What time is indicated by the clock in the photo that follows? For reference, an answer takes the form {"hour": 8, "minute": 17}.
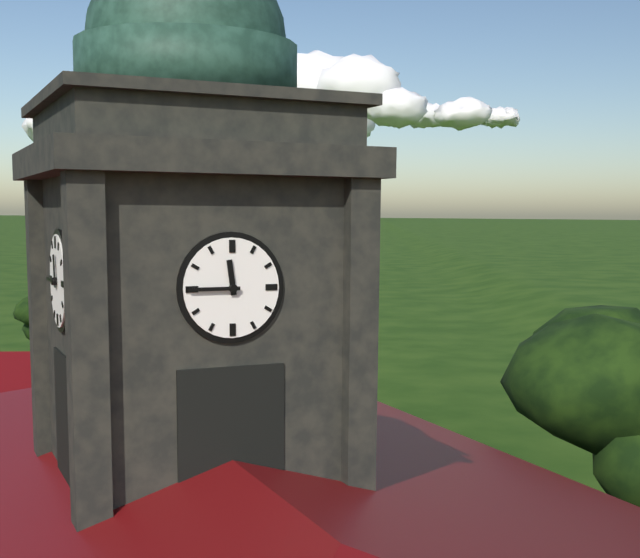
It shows {"hour": 11, "minute": 45}
